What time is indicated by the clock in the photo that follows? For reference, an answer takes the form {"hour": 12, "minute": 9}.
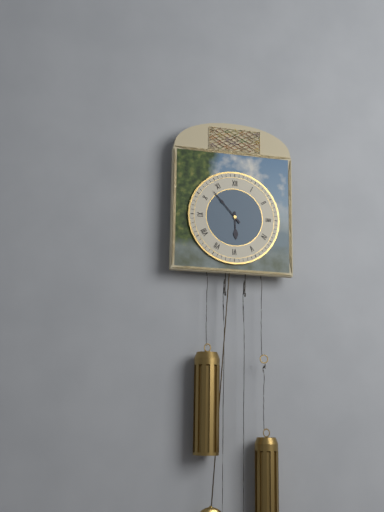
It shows {"hour": 5, "minute": 53}
